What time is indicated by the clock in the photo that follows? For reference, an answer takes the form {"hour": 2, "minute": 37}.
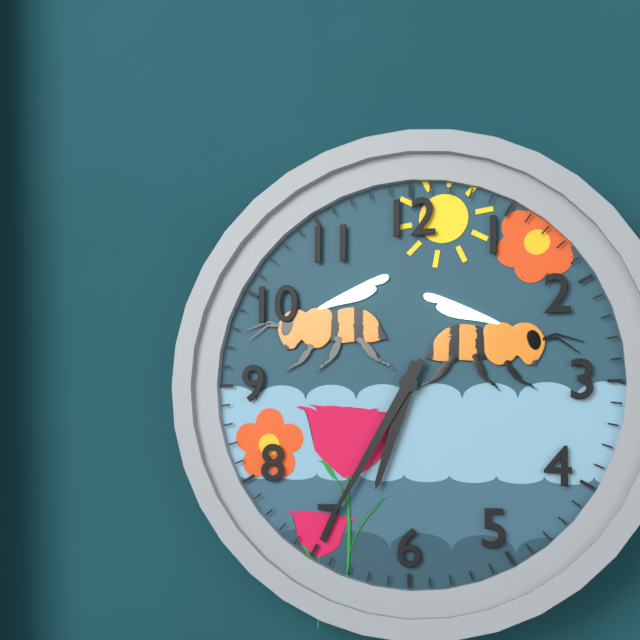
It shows {"hour": 6, "minute": 35}
